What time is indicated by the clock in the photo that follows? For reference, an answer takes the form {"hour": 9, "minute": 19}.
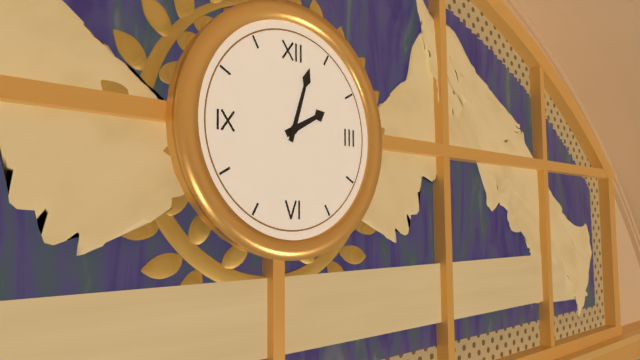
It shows {"hour": 2, "minute": 3}
